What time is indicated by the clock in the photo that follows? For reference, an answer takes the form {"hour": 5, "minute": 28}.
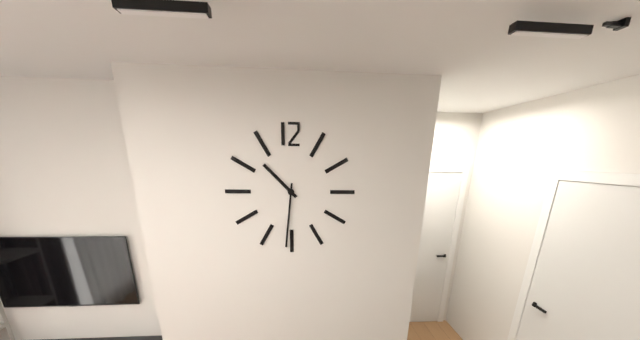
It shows {"hour": 10, "minute": 31}
